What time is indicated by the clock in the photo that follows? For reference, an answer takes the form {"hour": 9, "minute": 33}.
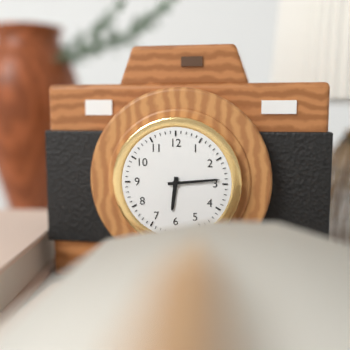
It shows {"hour": 6, "minute": 14}
